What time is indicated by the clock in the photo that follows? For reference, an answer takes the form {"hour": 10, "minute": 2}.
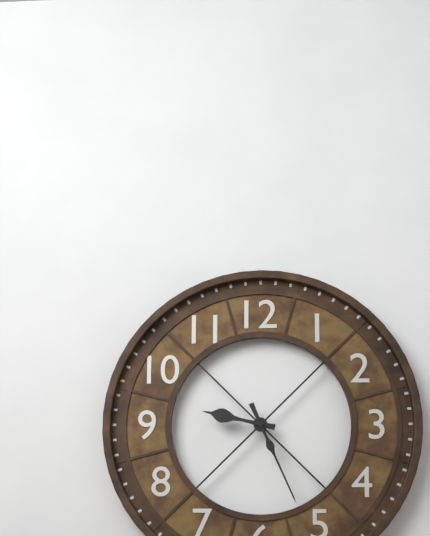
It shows {"hour": 9, "minute": 26}
